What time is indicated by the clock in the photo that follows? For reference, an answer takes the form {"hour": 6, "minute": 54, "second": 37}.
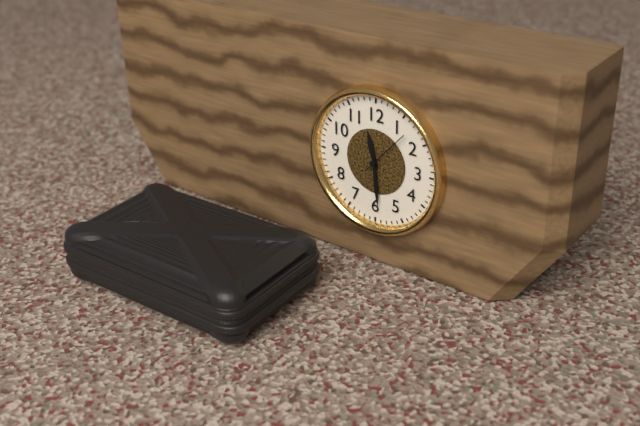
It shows {"hour": 11, "minute": 29, "second": 7}
